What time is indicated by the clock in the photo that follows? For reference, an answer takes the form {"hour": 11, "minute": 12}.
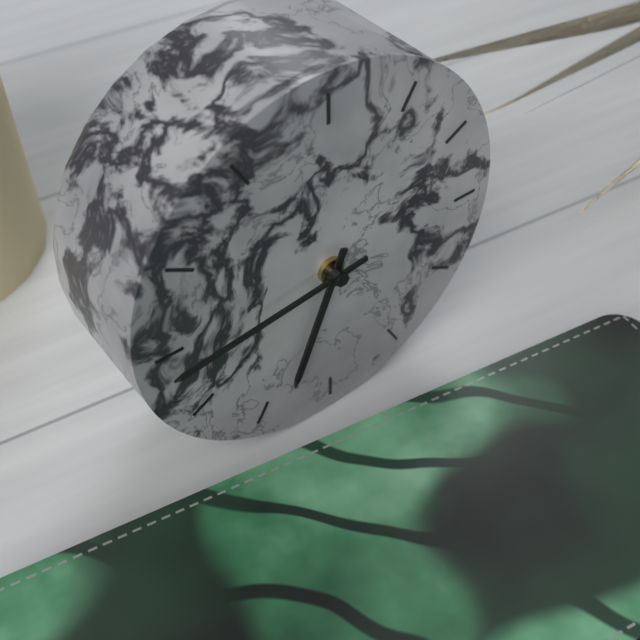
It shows {"hour": 6, "minute": 44}
